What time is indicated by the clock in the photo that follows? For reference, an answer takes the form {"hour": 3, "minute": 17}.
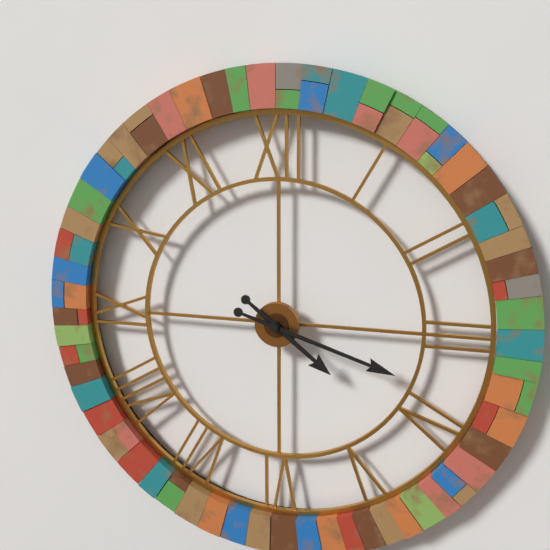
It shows {"hour": 4, "minute": 18}
